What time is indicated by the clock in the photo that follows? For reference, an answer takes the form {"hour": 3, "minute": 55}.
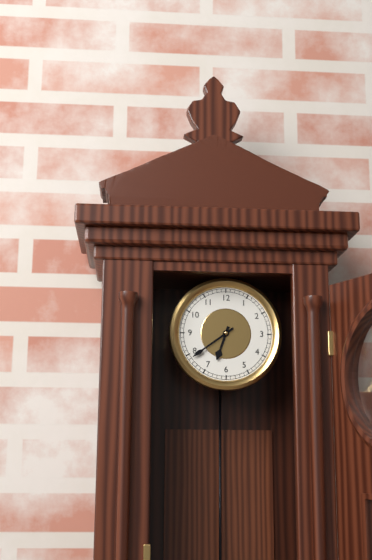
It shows {"hour": 6, "minute": 39}
